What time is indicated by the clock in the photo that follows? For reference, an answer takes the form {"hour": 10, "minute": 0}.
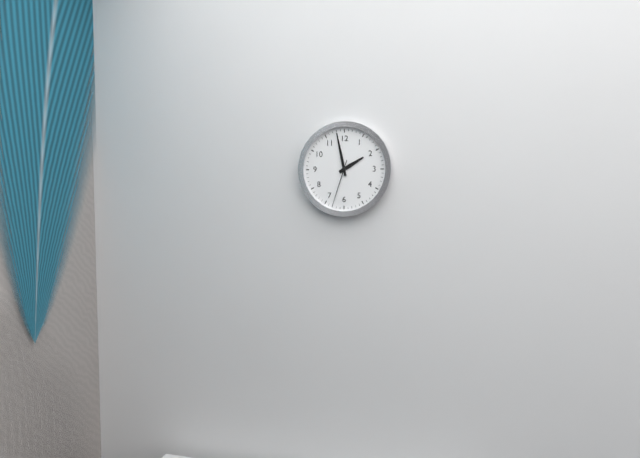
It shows {"hour": 1, "minute": 58}
